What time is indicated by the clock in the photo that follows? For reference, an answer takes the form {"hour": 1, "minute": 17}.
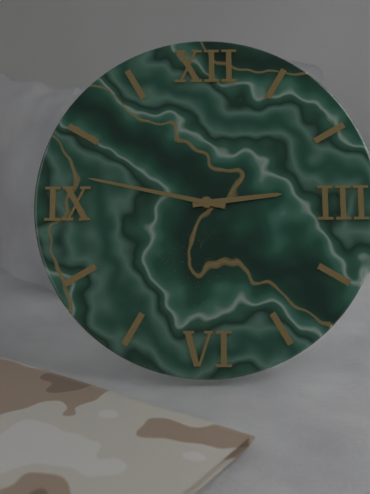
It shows {"hour": 2, "minute": 47}
